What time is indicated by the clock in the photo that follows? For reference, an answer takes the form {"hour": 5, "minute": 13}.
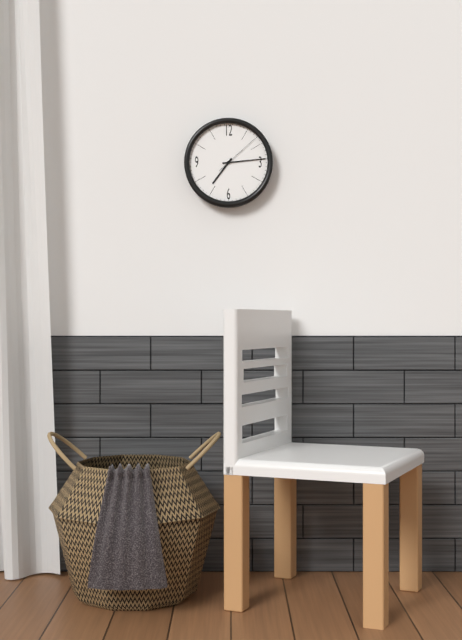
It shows {"hour": 7, "minute": 14}
